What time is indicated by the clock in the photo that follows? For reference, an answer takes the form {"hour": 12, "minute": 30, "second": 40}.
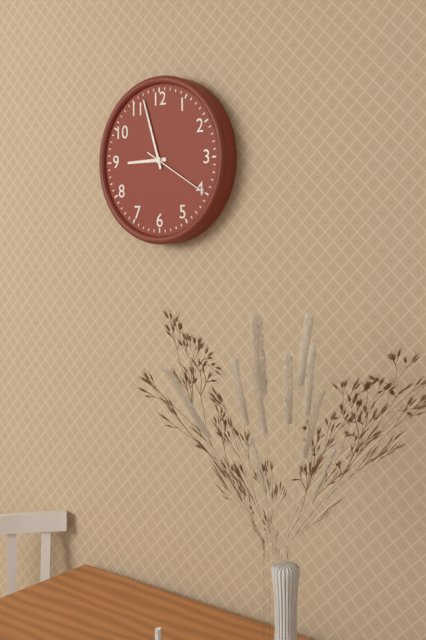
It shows {"hour": 8, "minute": 57, "second": 20}
